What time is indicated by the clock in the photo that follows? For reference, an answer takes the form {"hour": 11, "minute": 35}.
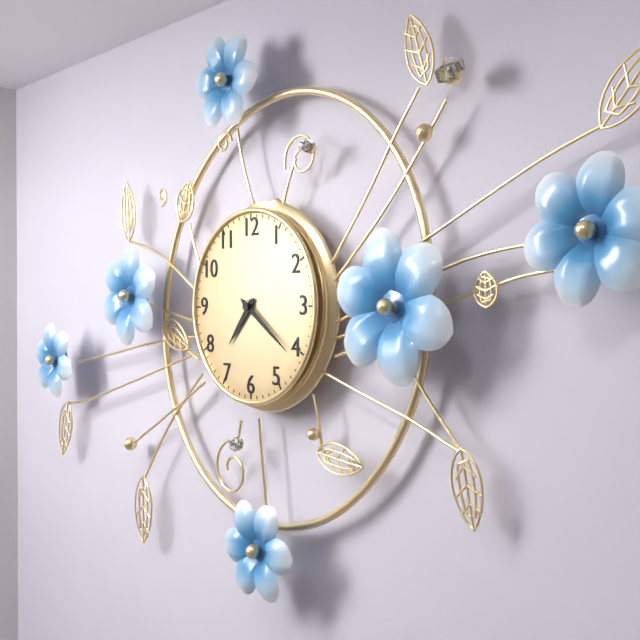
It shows {"hour": 7, "minute": 21}
